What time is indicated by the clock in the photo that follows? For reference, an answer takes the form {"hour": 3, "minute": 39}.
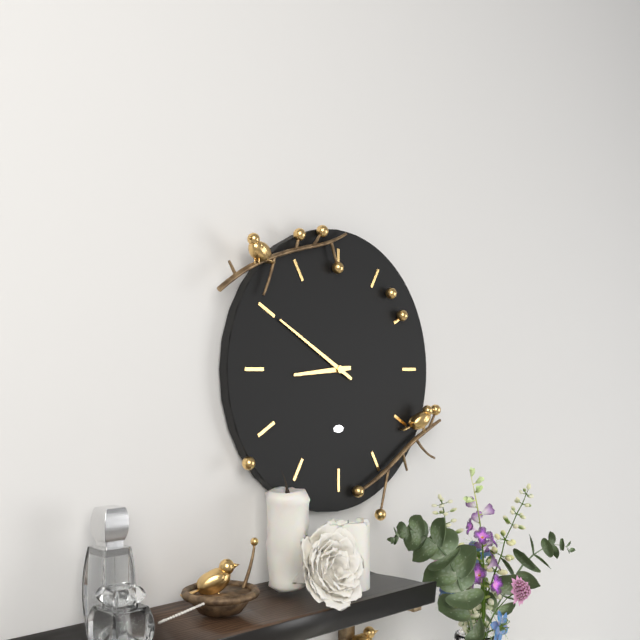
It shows {"hour": 8, "minute": 50}
